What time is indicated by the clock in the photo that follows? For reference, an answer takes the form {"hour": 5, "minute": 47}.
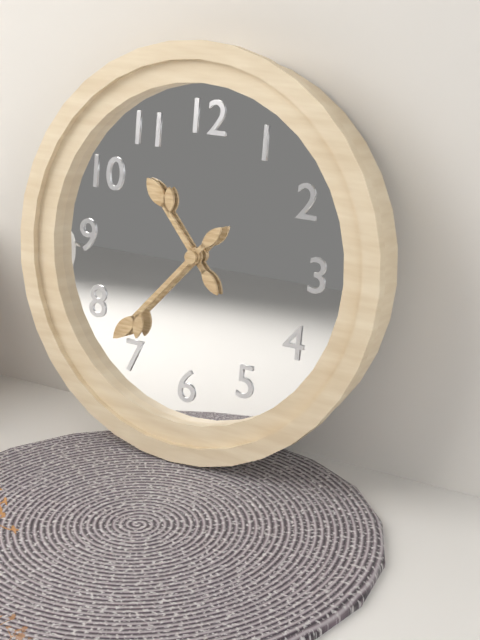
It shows {"hour": 10, "minute": 37}
